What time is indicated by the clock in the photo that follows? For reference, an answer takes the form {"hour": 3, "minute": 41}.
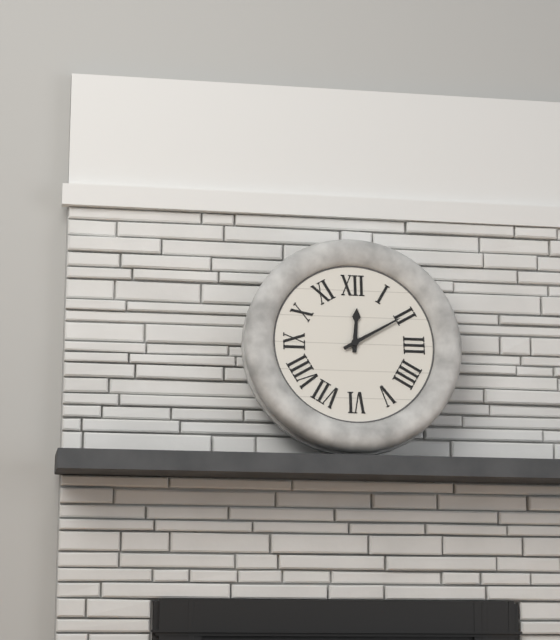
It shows {"hour": 12, "minute": 10}
